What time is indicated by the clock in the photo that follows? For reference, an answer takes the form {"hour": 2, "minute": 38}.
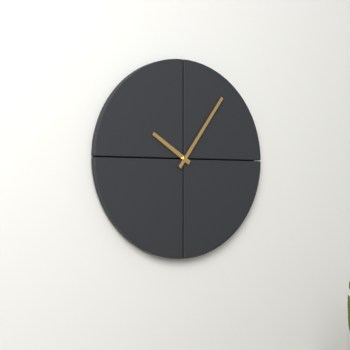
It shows {"hour": 10, "minute": 6}
